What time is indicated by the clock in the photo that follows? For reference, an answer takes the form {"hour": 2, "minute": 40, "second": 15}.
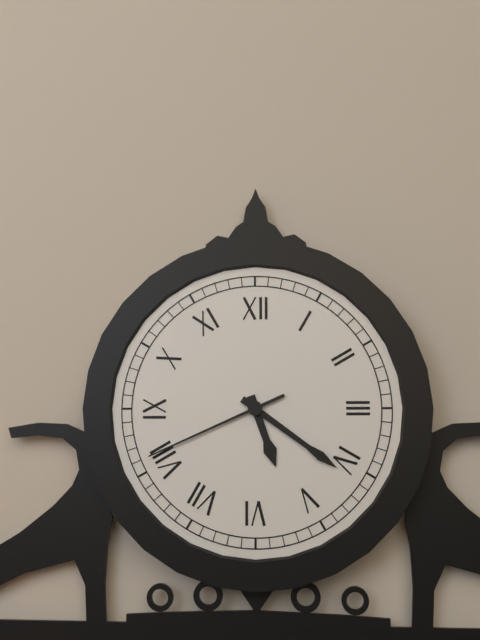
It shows {"hour": 5, "minute": 21, "second": 41}
